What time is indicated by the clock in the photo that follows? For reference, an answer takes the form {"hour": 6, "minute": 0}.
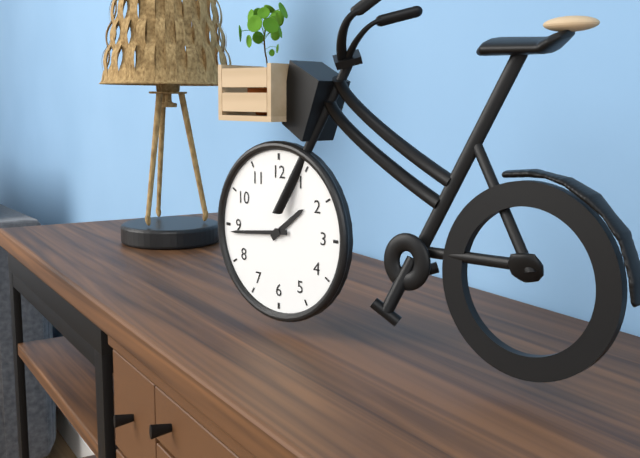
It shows {"hour": 1, "minute": 44}
